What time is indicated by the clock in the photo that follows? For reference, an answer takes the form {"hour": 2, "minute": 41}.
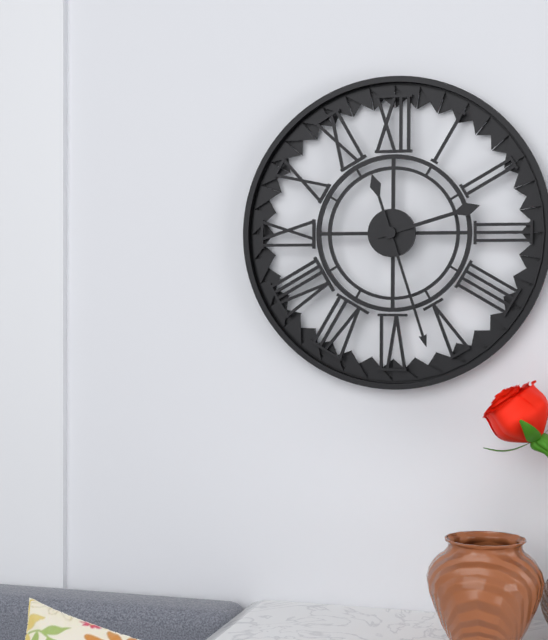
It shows {"hour": 2, "minute": 27}
